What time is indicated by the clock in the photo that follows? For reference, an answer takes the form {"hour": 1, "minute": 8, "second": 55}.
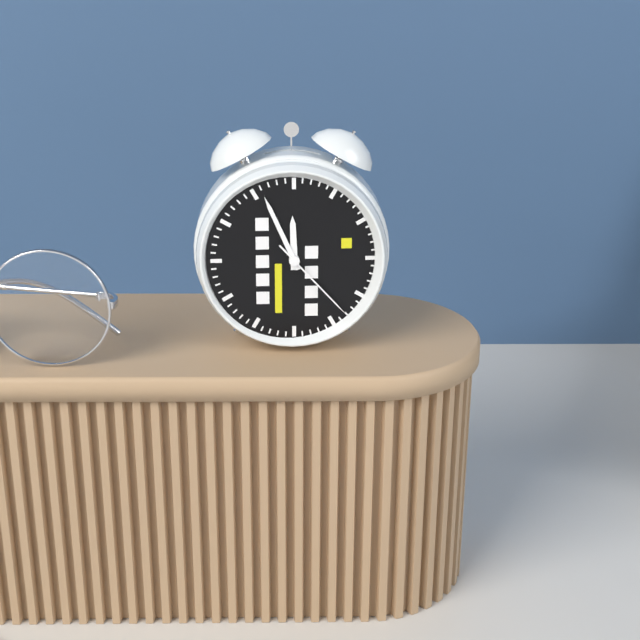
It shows {"hour": 11, "minute": 56, "second": 23}
